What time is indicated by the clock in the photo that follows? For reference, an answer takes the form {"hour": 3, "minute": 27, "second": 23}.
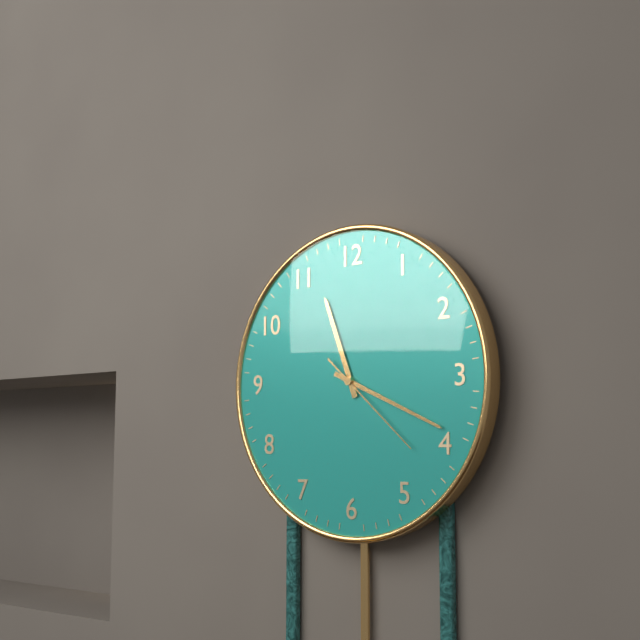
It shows {"hour": 11, "minute": 19, "second": 22}
